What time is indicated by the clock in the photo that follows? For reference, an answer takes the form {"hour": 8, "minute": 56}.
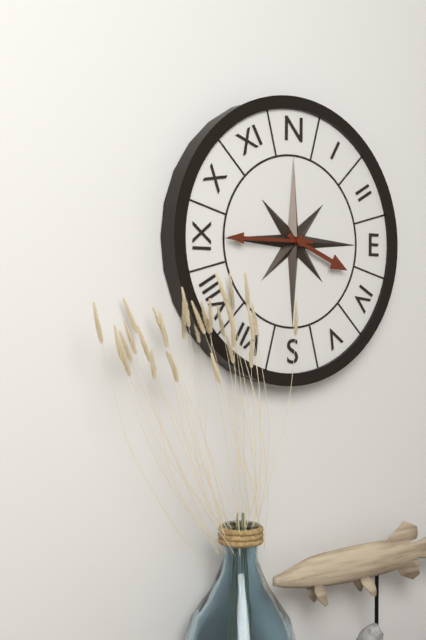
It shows {"hour": 3, "minute": 45}
